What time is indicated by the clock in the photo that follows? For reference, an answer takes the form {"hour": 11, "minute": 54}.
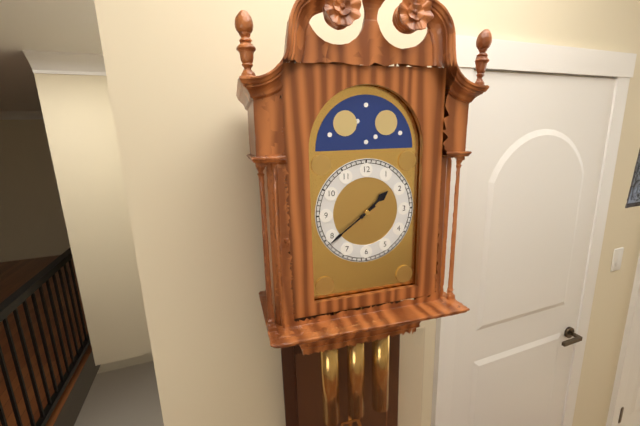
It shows {"hour": 1, "minute": 39}
